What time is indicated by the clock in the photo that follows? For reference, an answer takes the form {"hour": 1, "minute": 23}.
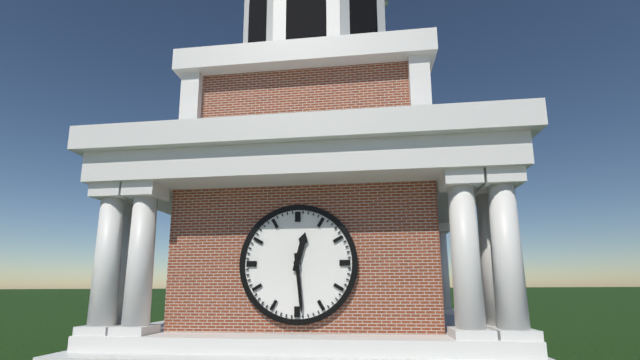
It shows {"hour": 12, "minute": 29}
